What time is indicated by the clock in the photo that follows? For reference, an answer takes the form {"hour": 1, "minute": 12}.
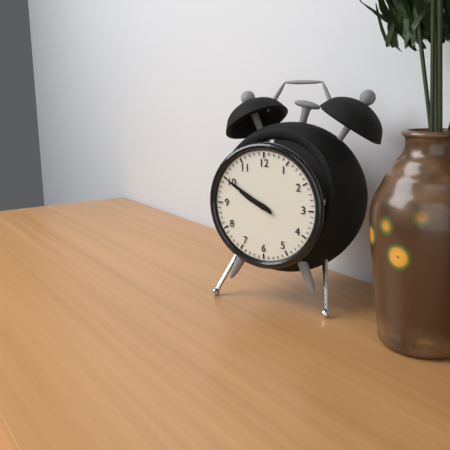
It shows {"hour": 9, "minute": 50}
